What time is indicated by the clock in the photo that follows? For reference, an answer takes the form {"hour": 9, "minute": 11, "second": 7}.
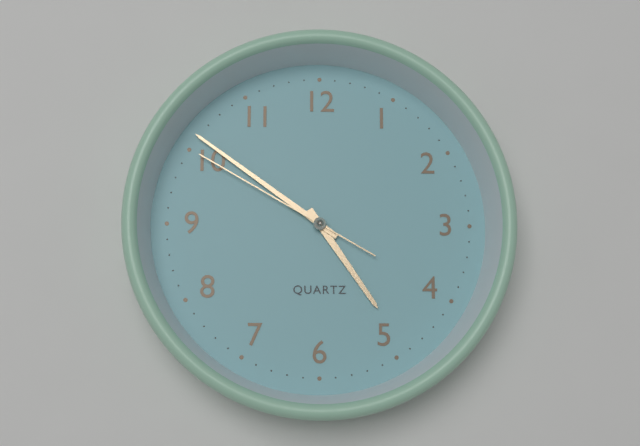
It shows {"hour": 4, "minute": 51, "second": 50}
